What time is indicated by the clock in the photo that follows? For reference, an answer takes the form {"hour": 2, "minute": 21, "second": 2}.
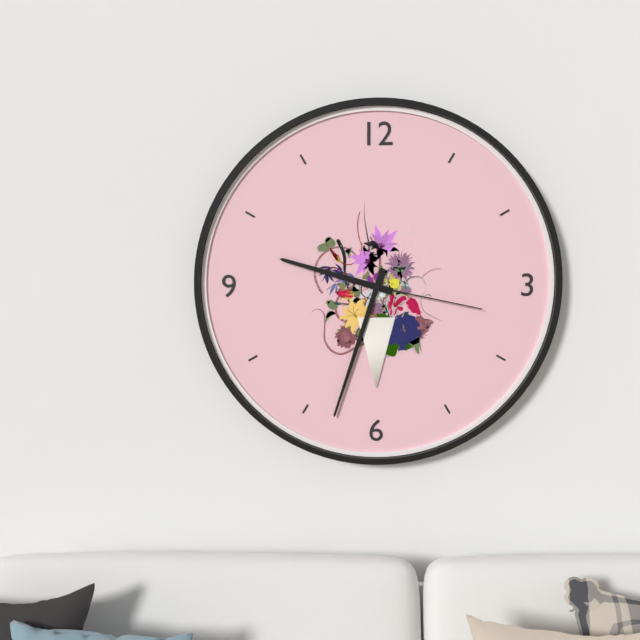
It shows {"hour": 9, "minute": 33, "second": 17}
